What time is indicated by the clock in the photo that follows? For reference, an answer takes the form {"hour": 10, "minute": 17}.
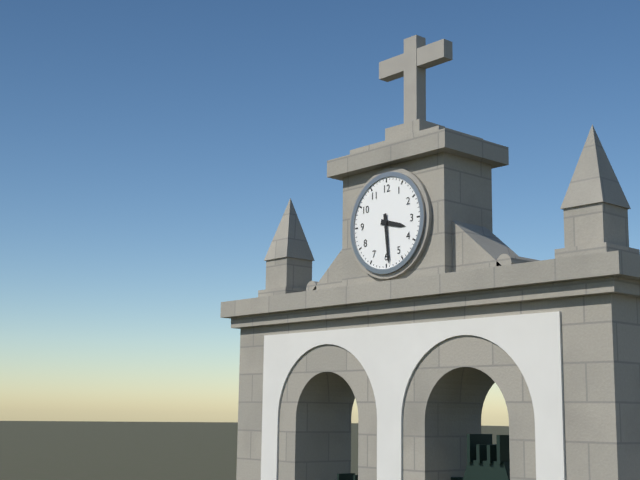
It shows {"hour": 3, "minute": 29}
